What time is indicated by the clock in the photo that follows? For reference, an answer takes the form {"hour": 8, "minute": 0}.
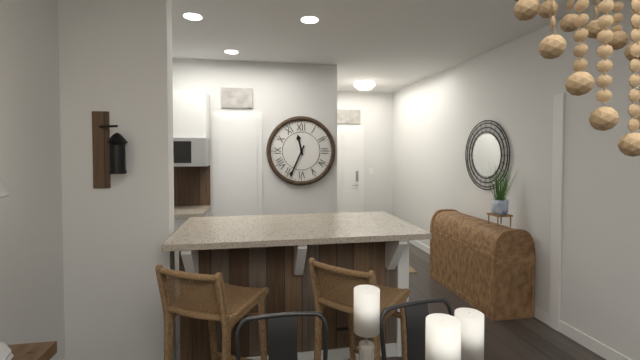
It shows {"hour": 11, "minute": 34}
